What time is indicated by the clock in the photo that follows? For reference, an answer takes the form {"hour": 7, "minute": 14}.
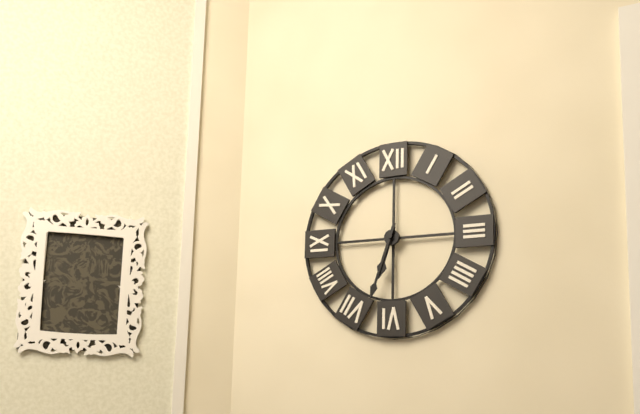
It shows {"hour": 6, "minute": 33}
